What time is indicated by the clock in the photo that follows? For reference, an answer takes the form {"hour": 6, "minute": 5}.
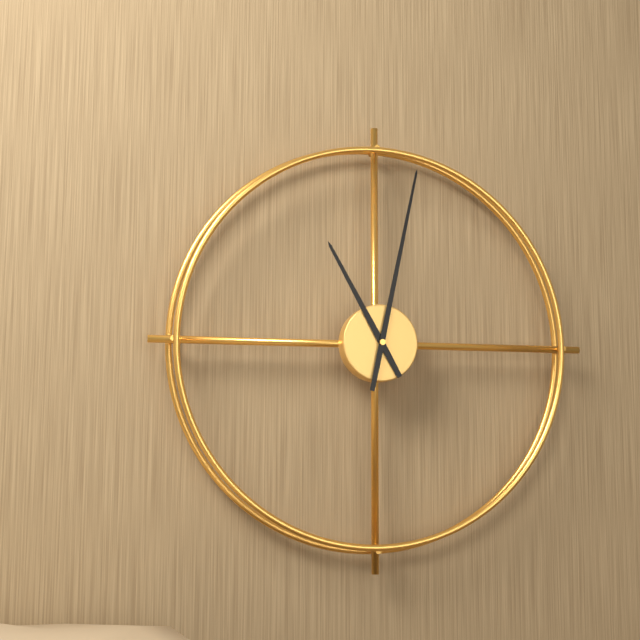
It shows {"hour": 11, "minute": 2}
